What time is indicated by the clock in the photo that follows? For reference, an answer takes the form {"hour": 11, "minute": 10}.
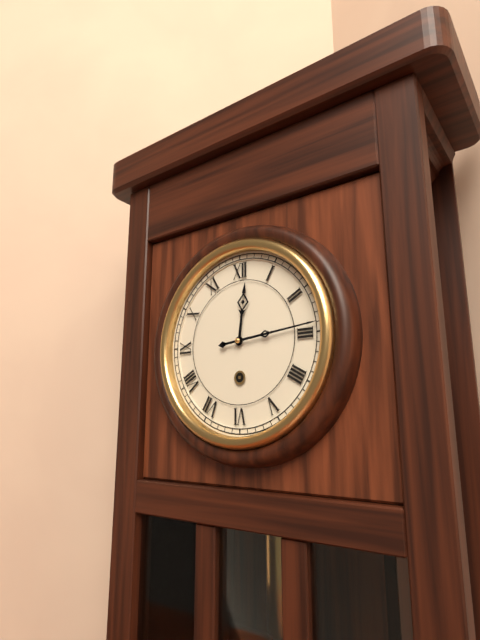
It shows {"hour": 12, "minute": 14}
